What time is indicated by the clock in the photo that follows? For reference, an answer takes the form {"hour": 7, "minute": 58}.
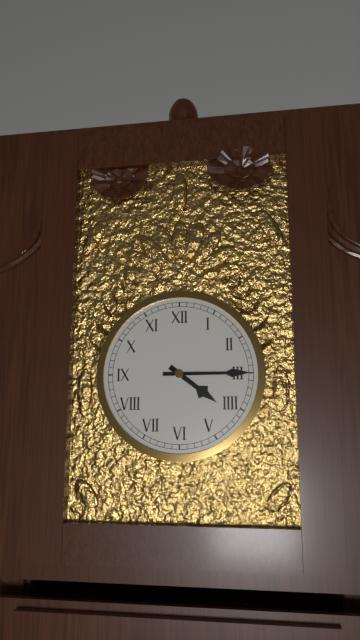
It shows {"hour": 4, "minute": 15}
